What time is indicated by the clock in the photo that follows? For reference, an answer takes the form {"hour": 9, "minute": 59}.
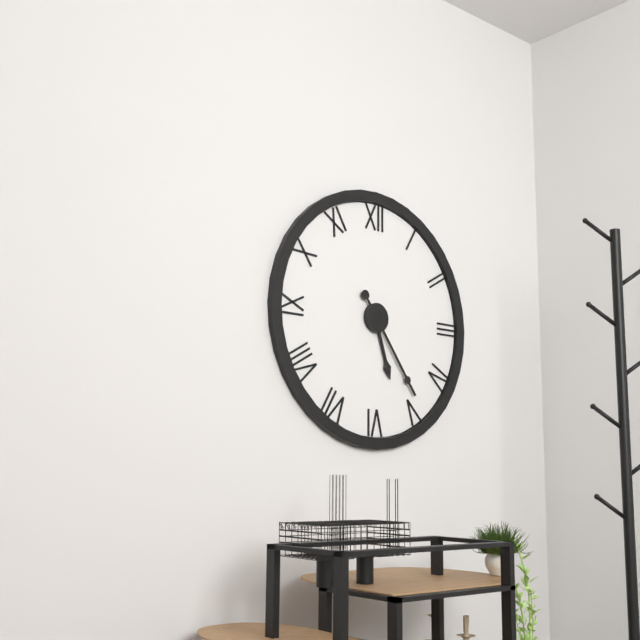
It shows {"hour": 5, "minute": 24}
